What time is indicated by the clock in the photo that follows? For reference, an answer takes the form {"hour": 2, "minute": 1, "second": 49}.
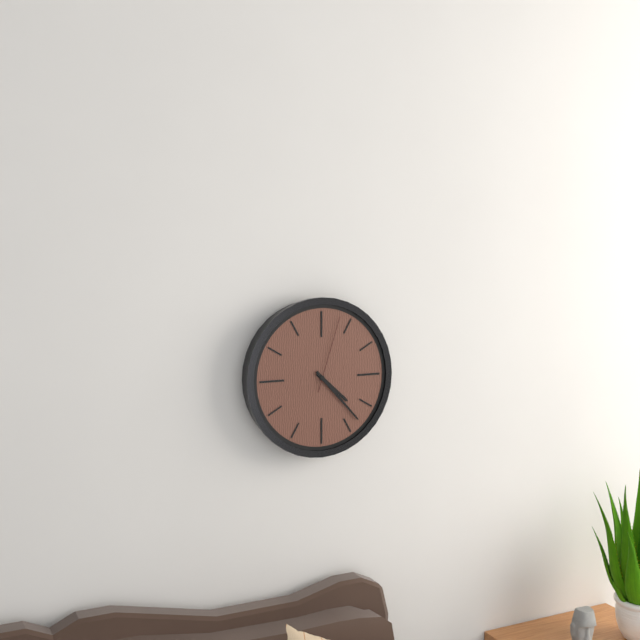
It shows {"hour": 4, "minute": 23, "second": 3}
